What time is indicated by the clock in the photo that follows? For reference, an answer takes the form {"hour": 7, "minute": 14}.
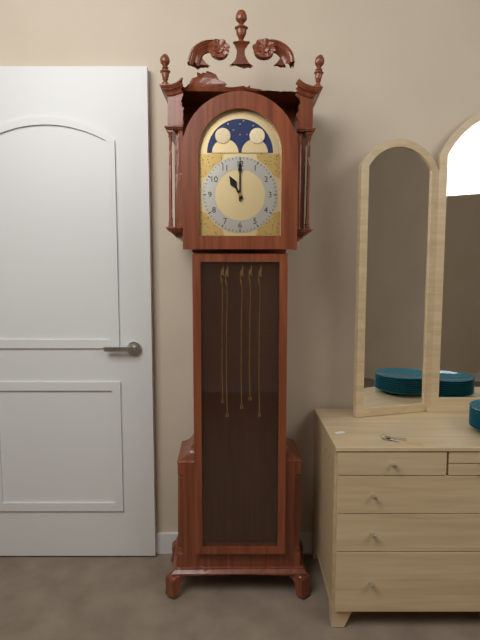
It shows {"hour": 11, "minute": 0}
